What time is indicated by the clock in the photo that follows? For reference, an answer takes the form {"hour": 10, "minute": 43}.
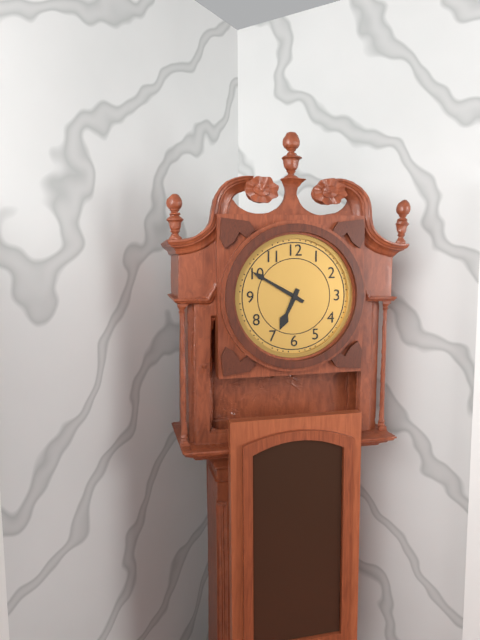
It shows {"hour": 6, "minute": 50}
